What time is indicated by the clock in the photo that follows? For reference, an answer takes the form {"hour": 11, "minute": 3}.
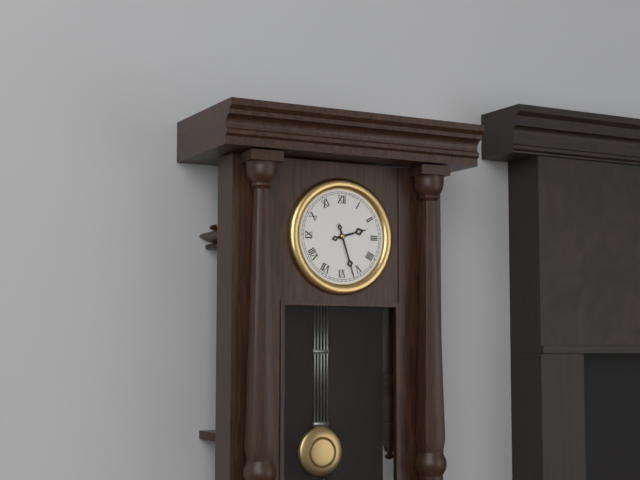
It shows {"hour": 2, "minute": 27}
